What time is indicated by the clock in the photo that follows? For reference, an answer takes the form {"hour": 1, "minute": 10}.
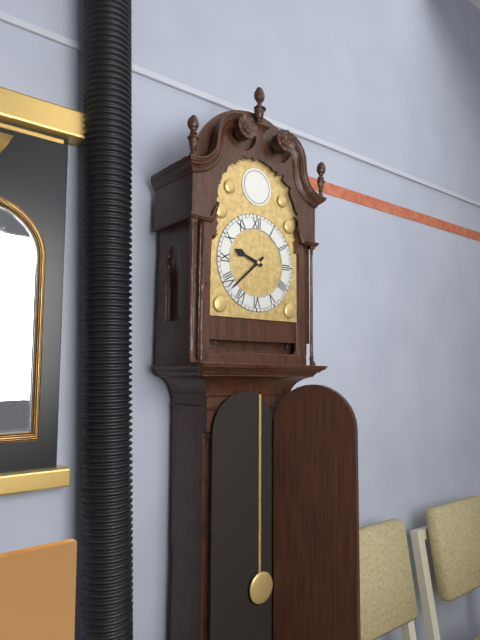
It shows {"hour": 9, "minute": 38}
